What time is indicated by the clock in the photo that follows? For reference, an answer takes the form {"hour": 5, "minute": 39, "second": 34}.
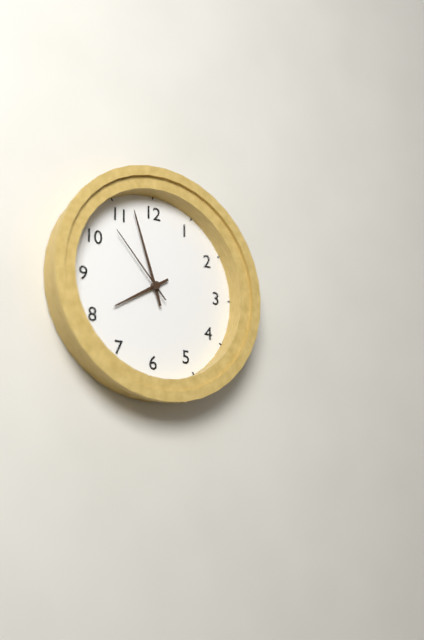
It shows {"hour": 7, "minute": 57, "second": 53}
